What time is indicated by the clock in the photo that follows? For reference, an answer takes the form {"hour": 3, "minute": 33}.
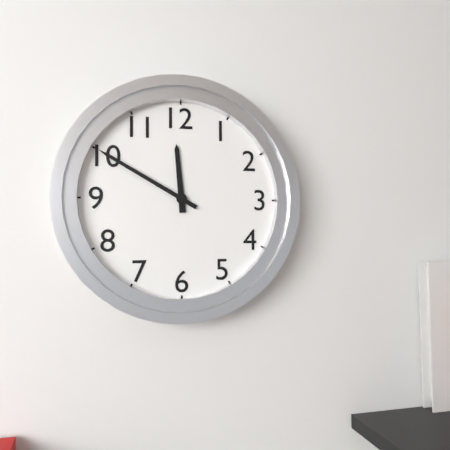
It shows {"hour": 11, "minute": 50}
